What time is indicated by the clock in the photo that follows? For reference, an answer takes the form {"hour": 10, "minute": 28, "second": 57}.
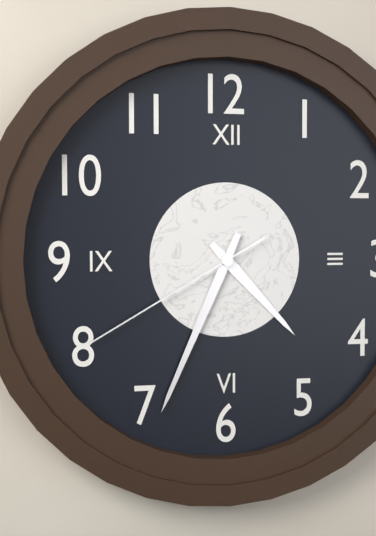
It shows {"hour": 4, "minute": 34, "second": 40}
